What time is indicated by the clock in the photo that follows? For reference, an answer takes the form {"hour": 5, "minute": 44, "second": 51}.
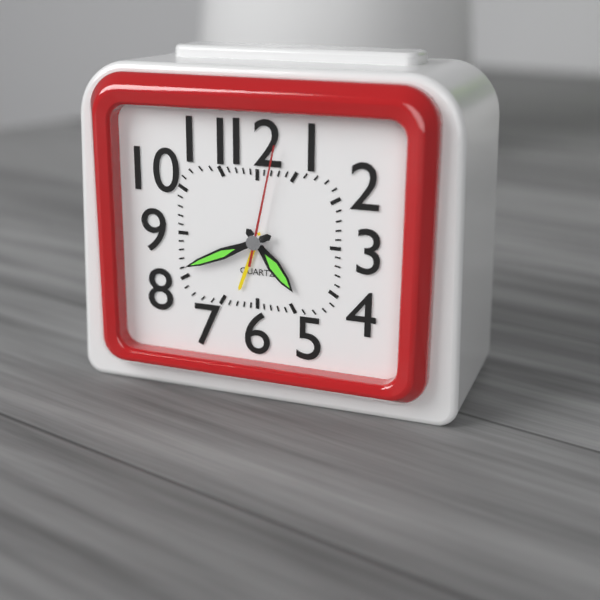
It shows {"hour": 4, "minute": 41, "second": 2}
